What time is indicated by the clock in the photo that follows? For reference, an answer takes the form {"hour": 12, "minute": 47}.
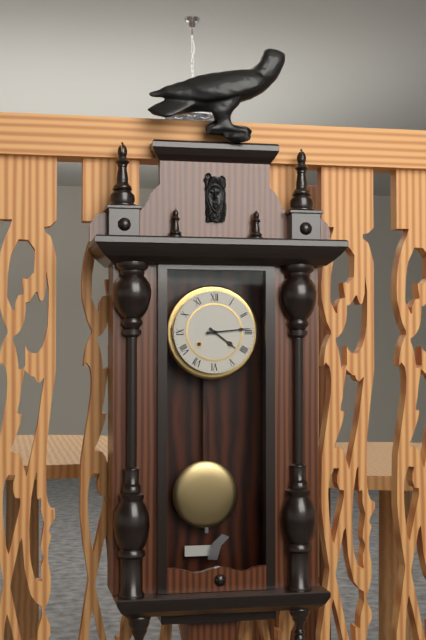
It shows {"hour": 4, "minute": 14}
